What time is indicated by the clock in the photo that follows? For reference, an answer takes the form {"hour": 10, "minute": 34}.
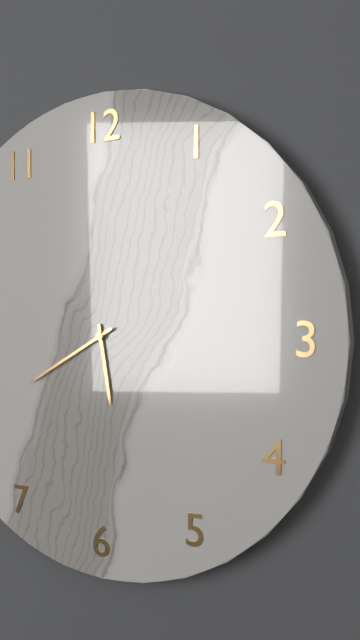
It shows {"hour": 5, "minute": 40}
